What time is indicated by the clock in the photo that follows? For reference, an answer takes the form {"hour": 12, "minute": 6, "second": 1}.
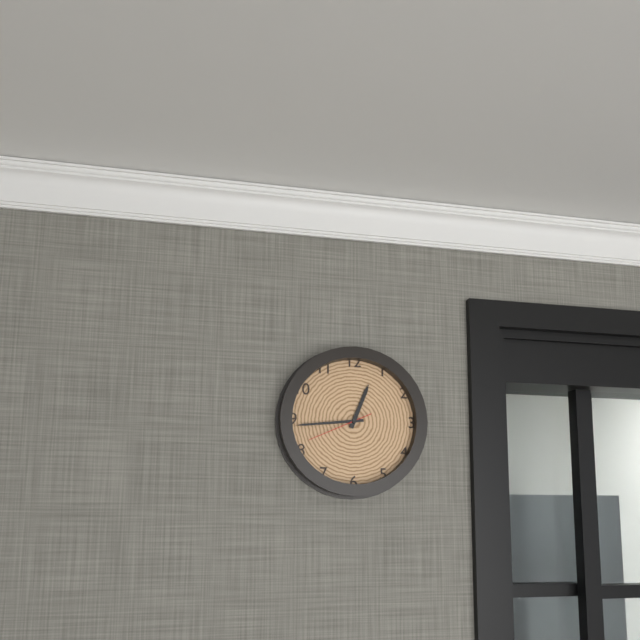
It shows {"hour": 12, "minute": 44, "second": 41}
